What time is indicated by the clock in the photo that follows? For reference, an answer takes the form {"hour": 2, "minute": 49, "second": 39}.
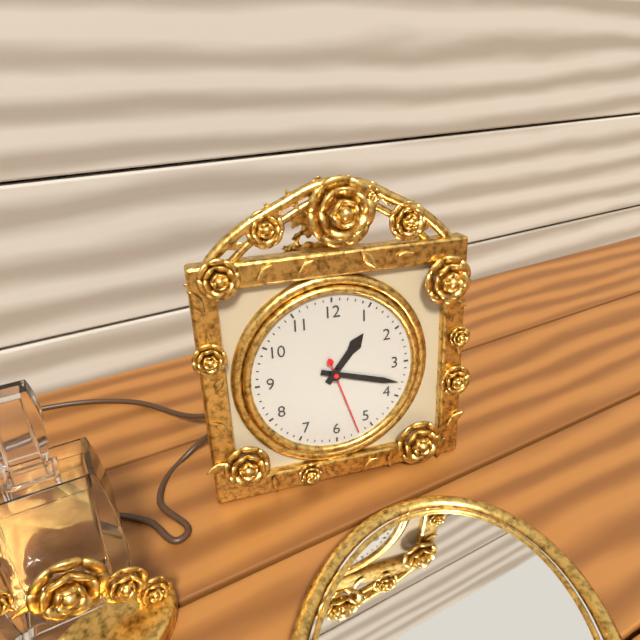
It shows {"hour": 1, "minute": 18, "second": 27}
